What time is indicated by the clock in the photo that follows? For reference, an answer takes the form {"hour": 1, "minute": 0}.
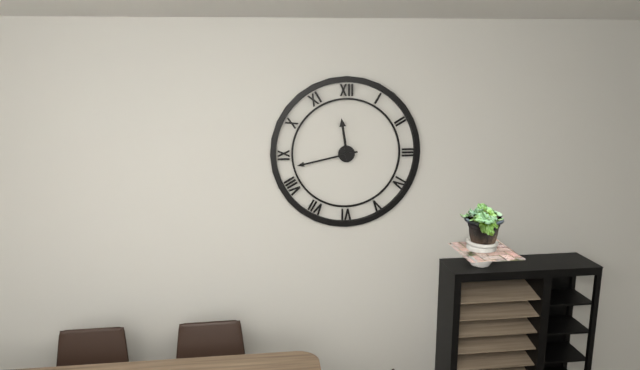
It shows {"hour": 11, "minute": 43}
